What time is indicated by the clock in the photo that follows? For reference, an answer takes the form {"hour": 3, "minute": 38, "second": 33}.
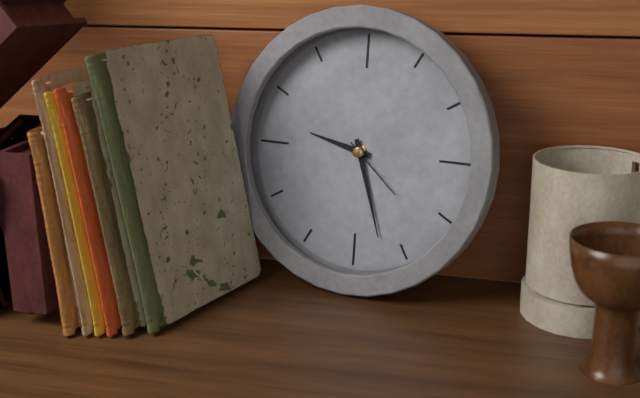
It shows {"hour": 9, "minute": 27, "second": 22}
